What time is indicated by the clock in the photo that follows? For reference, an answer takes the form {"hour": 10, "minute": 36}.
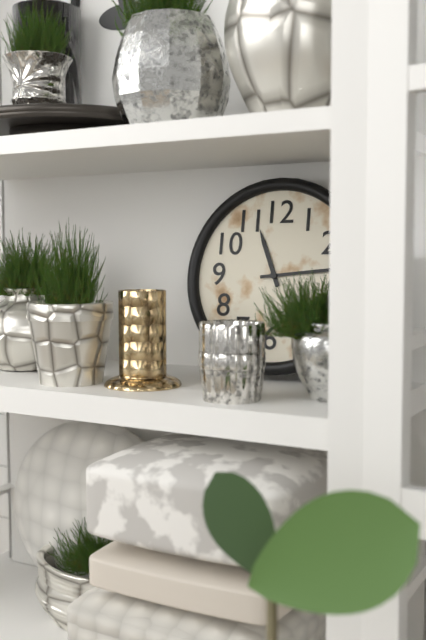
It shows {"hour": 11, "minute": 14}
